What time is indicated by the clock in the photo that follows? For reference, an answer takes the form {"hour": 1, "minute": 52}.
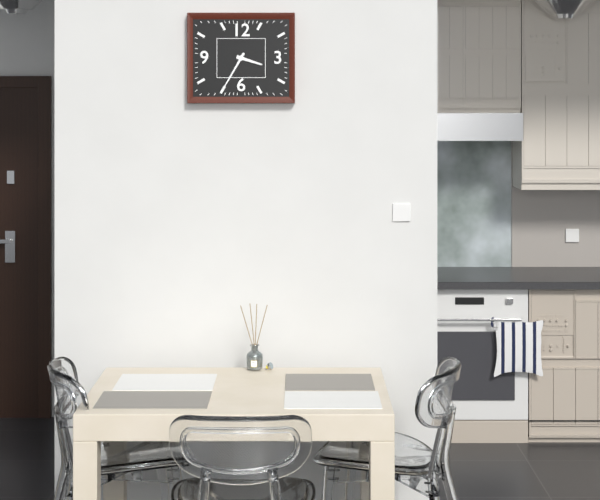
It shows {"hour": 3, "minute": 35}
